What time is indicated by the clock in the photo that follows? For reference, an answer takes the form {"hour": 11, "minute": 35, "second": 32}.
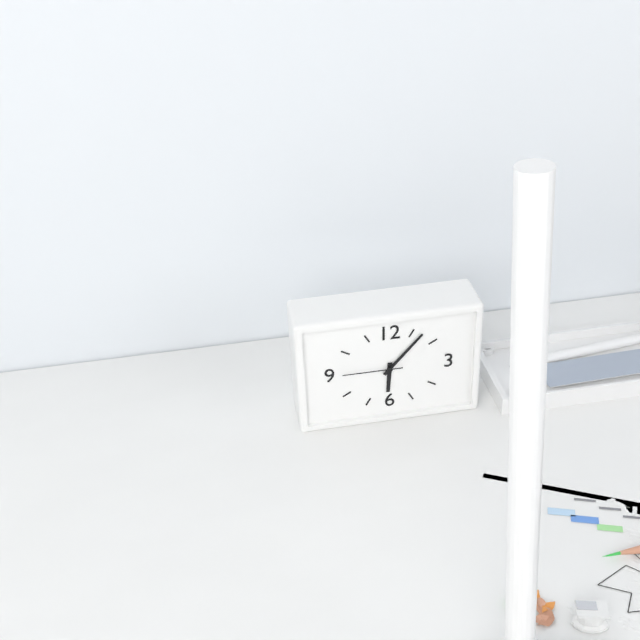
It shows {"hour": 6, "minute": 7, "second": 45}
